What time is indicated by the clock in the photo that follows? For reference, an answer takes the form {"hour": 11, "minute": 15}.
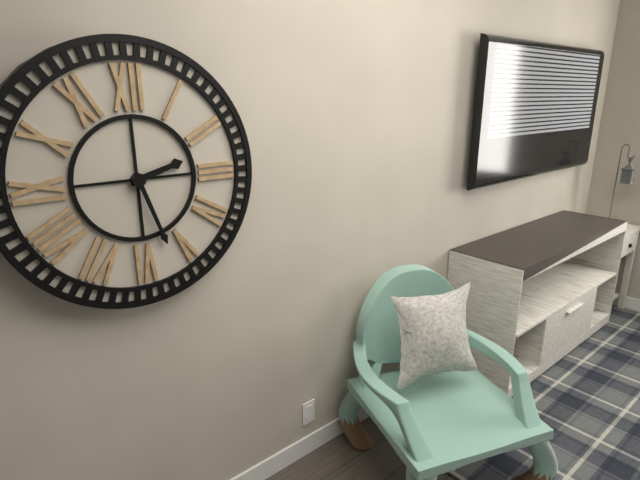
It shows {"hour": 2, "minute": 27}
